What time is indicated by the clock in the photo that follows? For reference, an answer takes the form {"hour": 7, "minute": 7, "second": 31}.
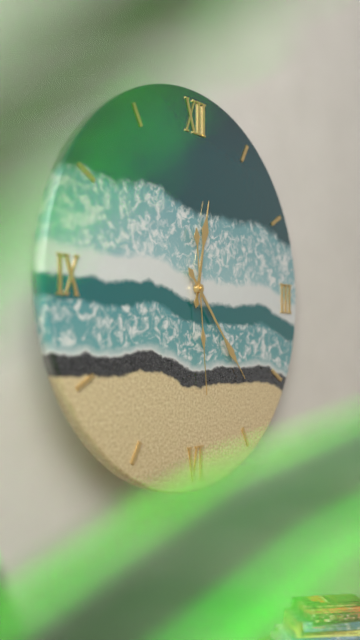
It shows {"hour": 12, "minute": 23, "second": 29}
